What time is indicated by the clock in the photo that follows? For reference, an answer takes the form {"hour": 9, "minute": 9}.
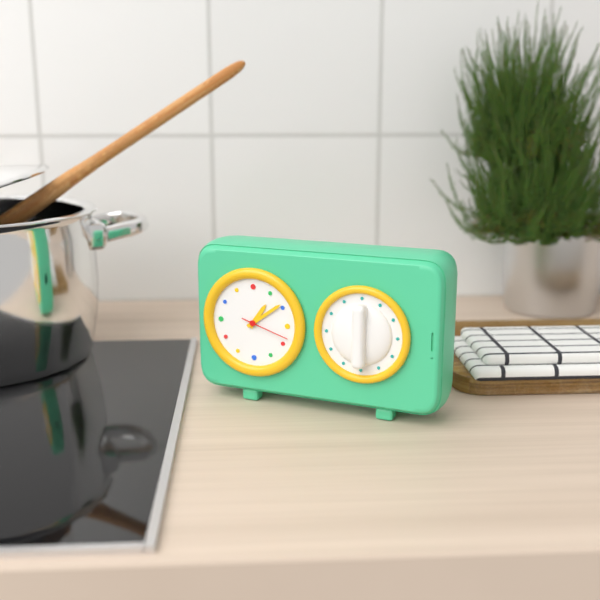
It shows {"hour": 1, "minute": 9}
